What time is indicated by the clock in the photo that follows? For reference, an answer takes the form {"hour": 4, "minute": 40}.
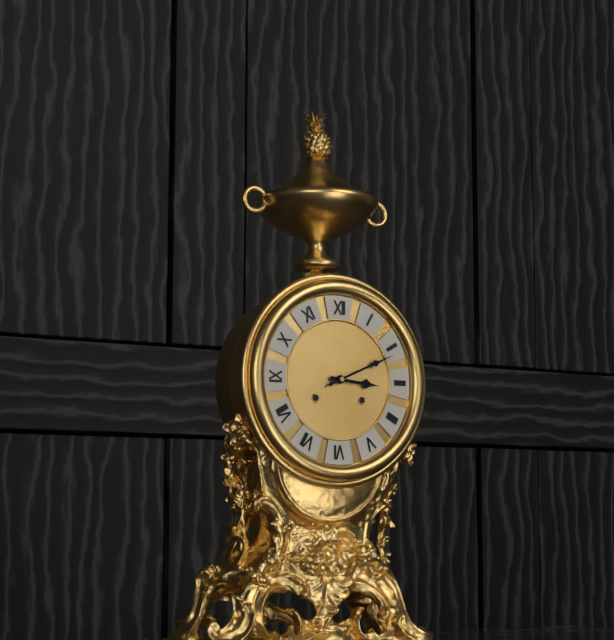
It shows {"hour": 3, "minute": 11}
